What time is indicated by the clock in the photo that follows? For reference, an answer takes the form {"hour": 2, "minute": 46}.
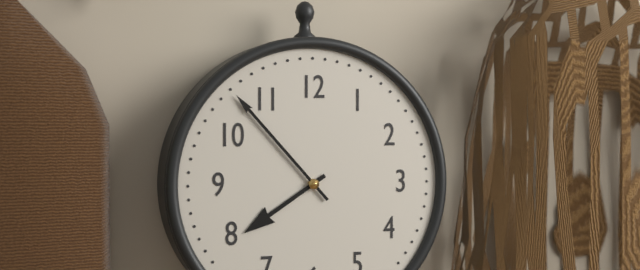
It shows {"hour": 7, "minute": 53}
